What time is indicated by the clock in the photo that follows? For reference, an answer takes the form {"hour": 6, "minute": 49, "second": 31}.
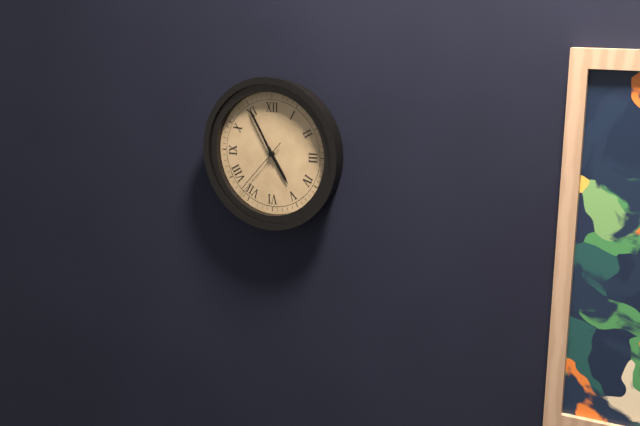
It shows {"hour": 4, "minute": 55, "second": 37}
